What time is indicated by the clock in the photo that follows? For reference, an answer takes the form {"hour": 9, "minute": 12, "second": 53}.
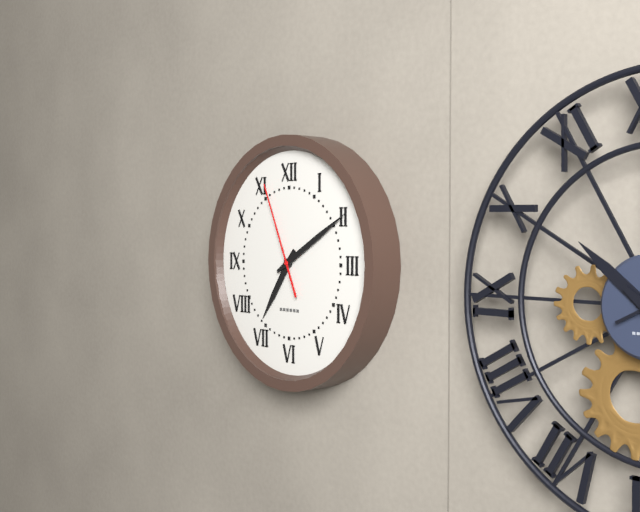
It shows {"hour": 7, "minute": 10, "second": 56}
